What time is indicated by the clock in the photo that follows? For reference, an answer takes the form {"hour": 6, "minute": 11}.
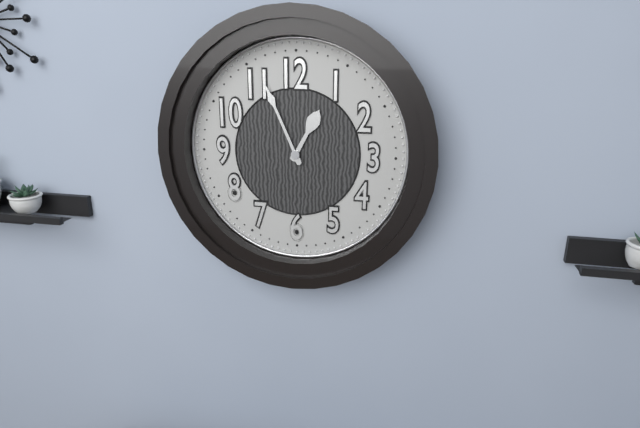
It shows {"hour": 12, "minute": 56}
